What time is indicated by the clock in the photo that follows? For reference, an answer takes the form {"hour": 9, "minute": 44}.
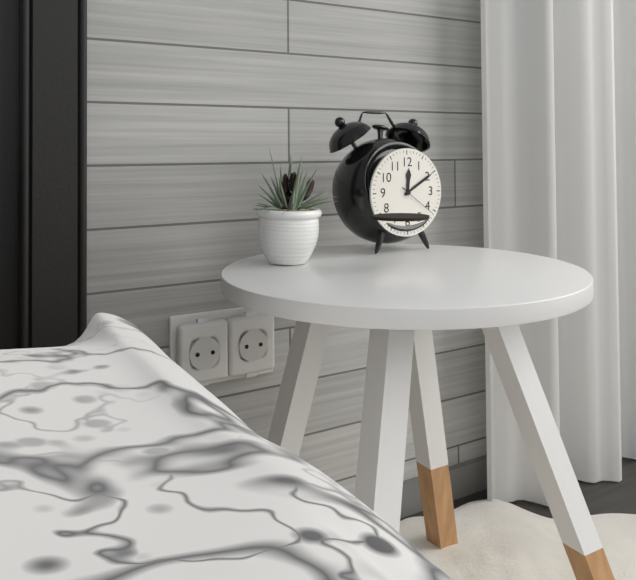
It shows {"hour": 12, "minute": 10}
